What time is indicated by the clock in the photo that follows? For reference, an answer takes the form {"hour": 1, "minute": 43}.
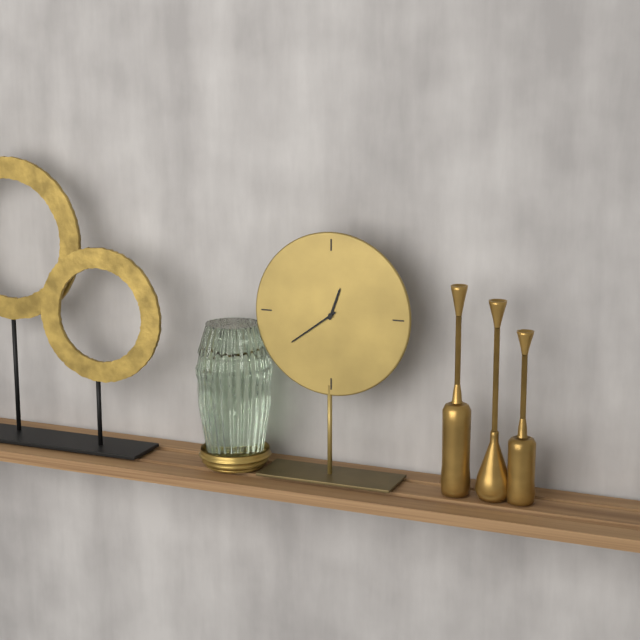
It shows {"hour": 12, "minute": 39}
